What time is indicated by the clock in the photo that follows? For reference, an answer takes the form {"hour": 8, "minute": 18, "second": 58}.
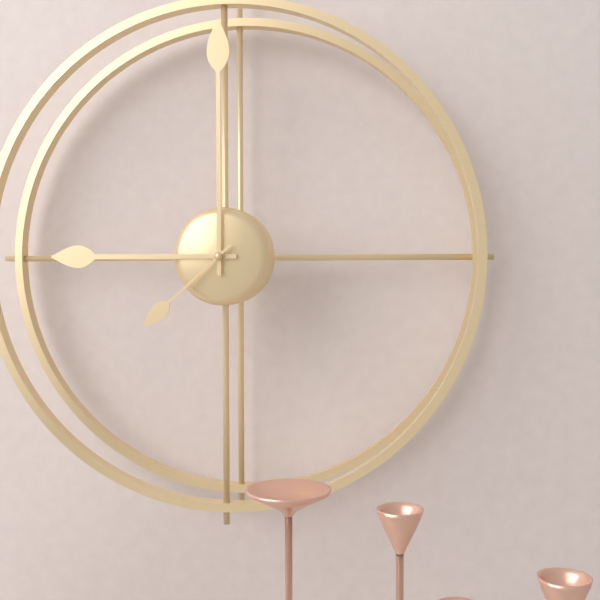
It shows {"hour": 9, "minute": 0, "second": 38}
